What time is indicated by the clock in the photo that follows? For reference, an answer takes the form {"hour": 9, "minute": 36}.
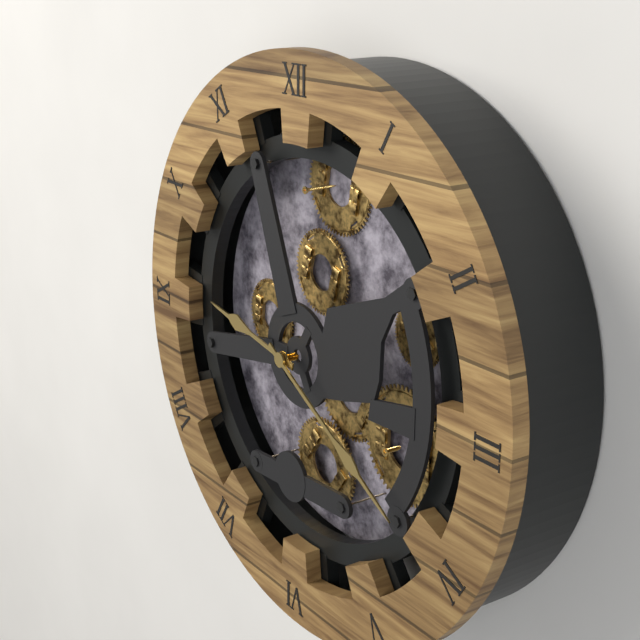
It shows {"hour": 9, "minute": 20}
